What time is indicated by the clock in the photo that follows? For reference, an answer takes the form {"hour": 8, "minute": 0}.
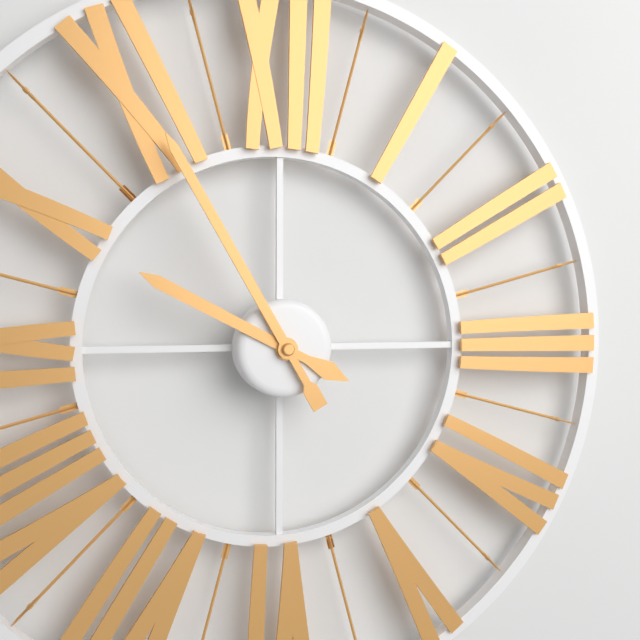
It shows {"hour": 9, "minute": 55}
